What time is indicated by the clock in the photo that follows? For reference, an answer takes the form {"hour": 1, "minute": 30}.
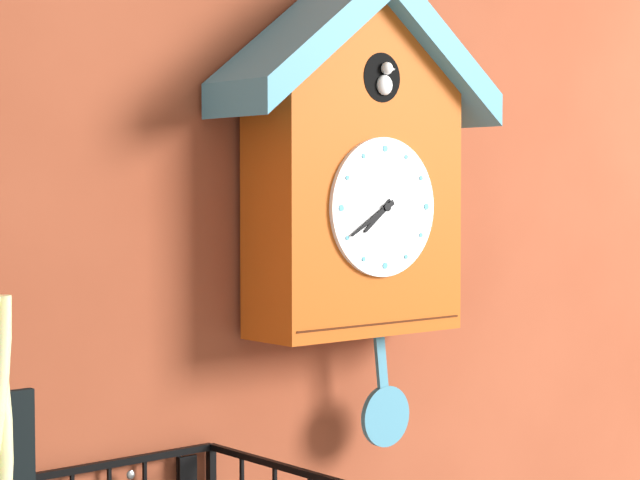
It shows {"hour": 7, "minute": 40}
